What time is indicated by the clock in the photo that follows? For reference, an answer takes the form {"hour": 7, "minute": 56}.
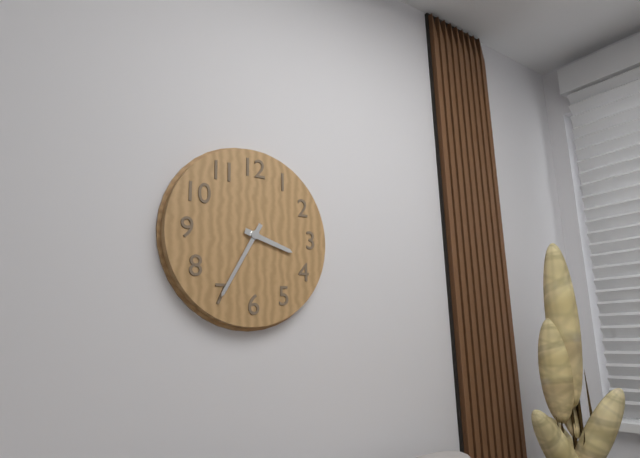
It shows {"hour": 3, "minute": 35}
